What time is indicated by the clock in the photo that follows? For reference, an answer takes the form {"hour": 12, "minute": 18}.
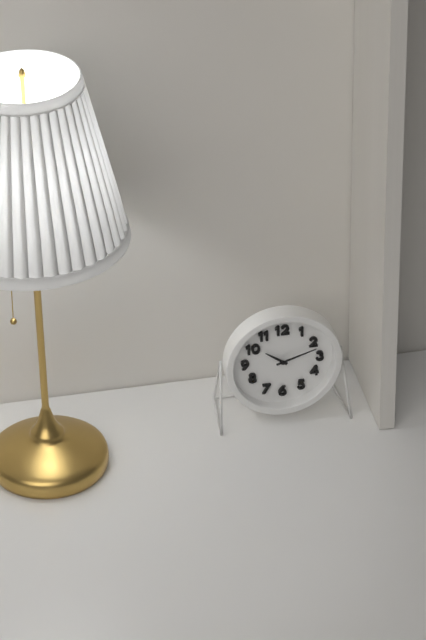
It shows {"hour": 10, "minute": 12}
